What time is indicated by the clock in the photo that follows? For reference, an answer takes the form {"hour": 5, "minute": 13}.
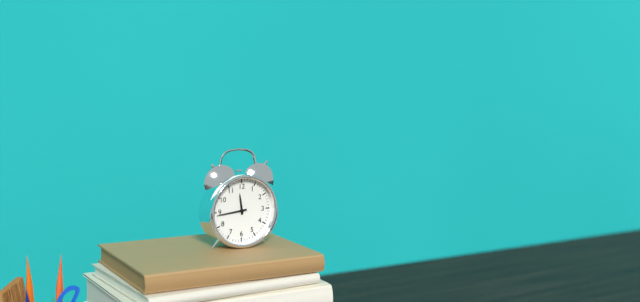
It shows {"hour": 11, "minute": 44}
